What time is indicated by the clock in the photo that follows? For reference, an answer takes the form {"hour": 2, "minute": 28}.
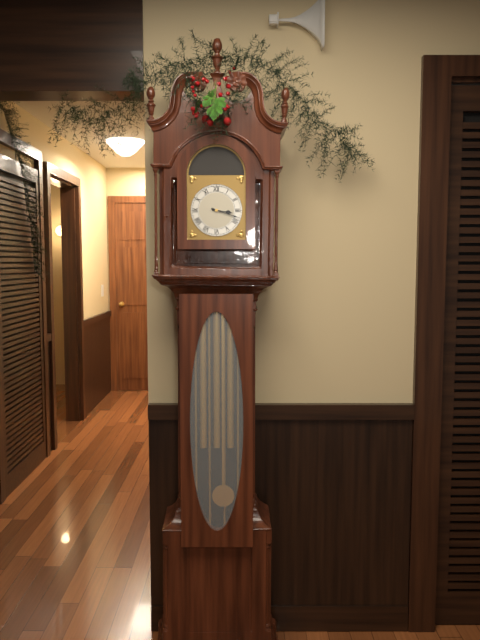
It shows {"hour": 3, "minute": 18}
